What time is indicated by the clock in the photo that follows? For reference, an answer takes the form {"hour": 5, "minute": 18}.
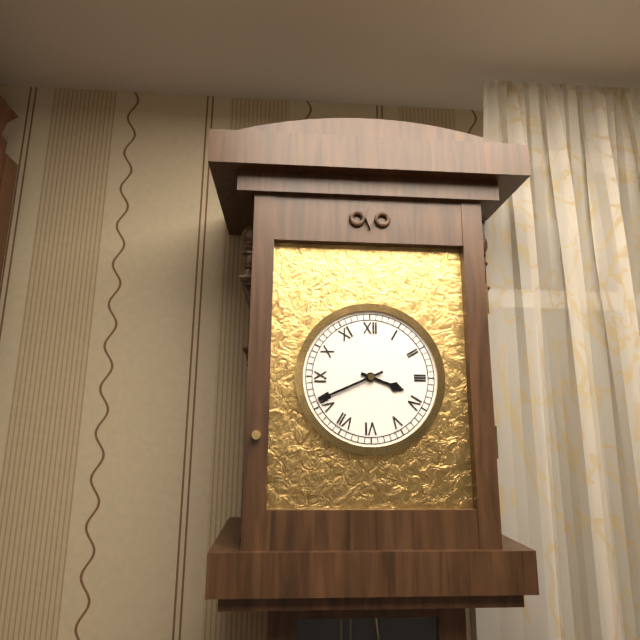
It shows {"hour": 3, "minute": 41}
